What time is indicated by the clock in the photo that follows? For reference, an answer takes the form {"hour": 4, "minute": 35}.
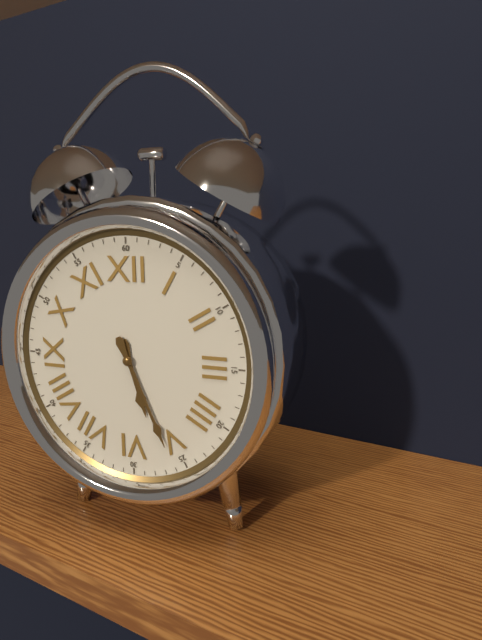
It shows {"hour": 5, "minute": 26}
